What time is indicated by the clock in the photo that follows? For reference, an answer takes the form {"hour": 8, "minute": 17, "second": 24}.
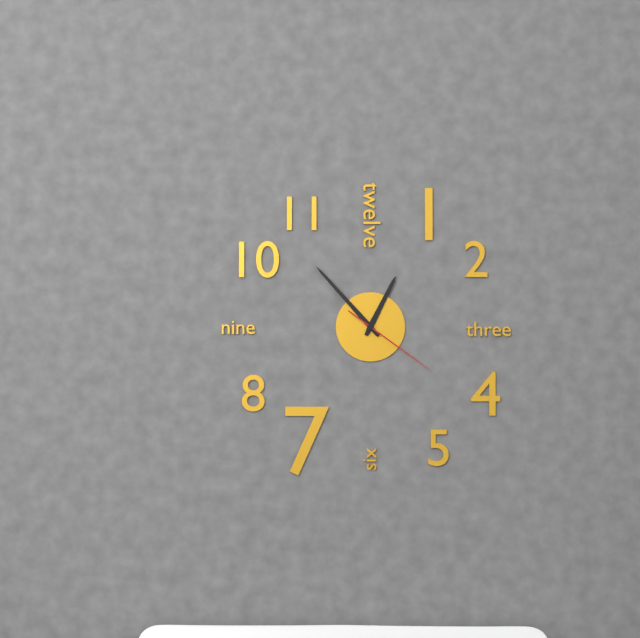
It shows {"hour": 12, "minute": 53, "second": 21}
